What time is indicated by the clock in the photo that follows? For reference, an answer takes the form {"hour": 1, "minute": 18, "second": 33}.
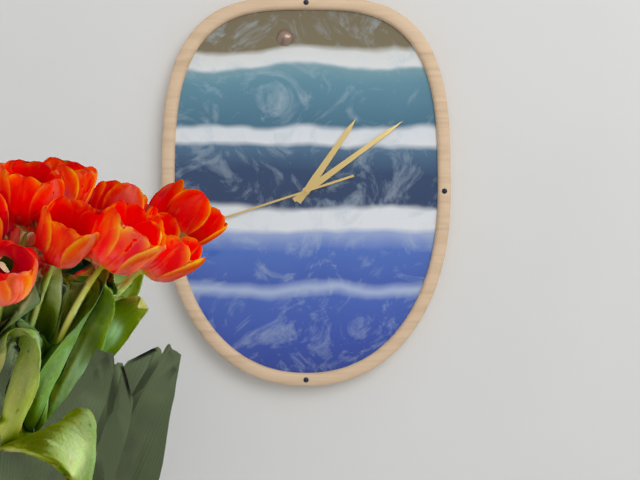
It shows {"hour": 1, "minute": 9, "second": 42}
